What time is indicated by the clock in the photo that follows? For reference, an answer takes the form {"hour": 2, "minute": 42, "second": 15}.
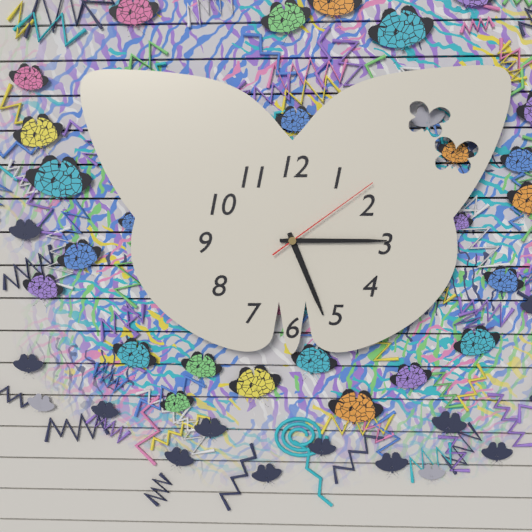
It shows {"hour": 5, "minute": 15, "second": 9}
